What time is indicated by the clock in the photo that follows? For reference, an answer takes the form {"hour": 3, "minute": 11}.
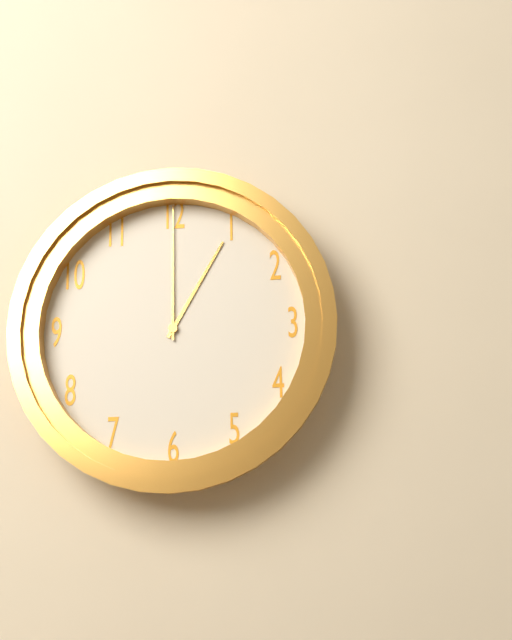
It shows {"hour": 1, "minute": 0}
